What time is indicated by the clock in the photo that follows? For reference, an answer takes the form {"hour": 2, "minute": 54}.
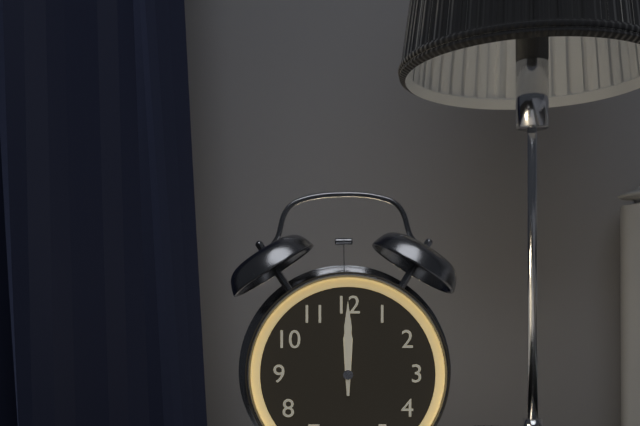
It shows {"hour": 12, "minute": 0}
